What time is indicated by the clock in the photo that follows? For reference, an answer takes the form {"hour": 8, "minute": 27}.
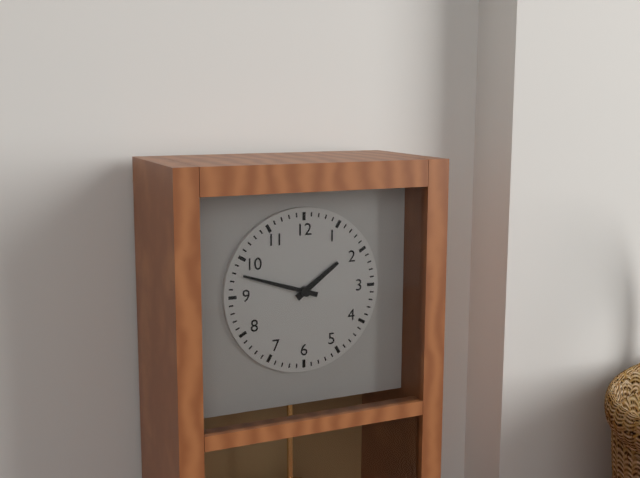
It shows {"hour": 1, "minute": 48}
